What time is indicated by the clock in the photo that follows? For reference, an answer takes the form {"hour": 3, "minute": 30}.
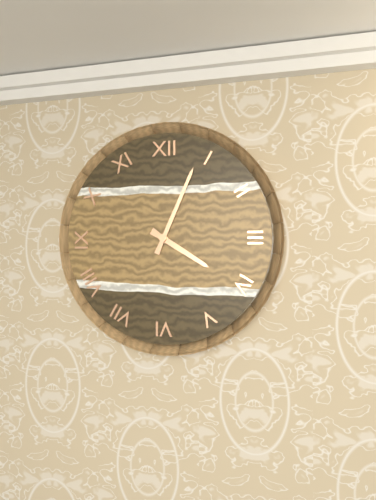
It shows {"hour": 4, "minute": 4}
